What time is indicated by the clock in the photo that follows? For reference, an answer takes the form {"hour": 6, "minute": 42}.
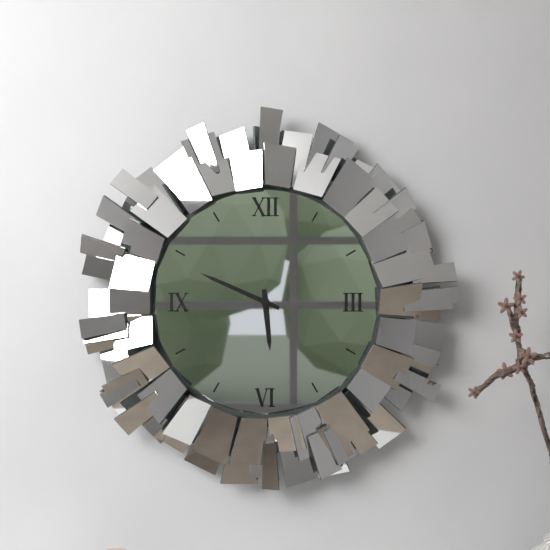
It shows {"hour": 5, "minute": 49}
